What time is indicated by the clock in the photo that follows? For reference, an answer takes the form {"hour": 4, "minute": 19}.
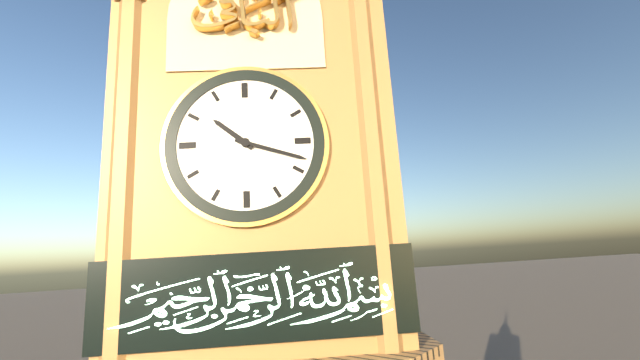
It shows {"hour": 10, "minute": 18}
